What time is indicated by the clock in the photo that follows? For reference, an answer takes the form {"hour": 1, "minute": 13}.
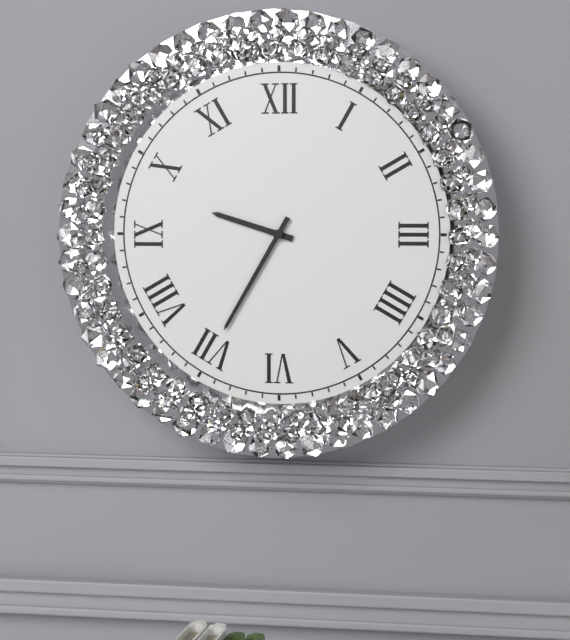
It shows {"hour": 9, "minute": 35}
